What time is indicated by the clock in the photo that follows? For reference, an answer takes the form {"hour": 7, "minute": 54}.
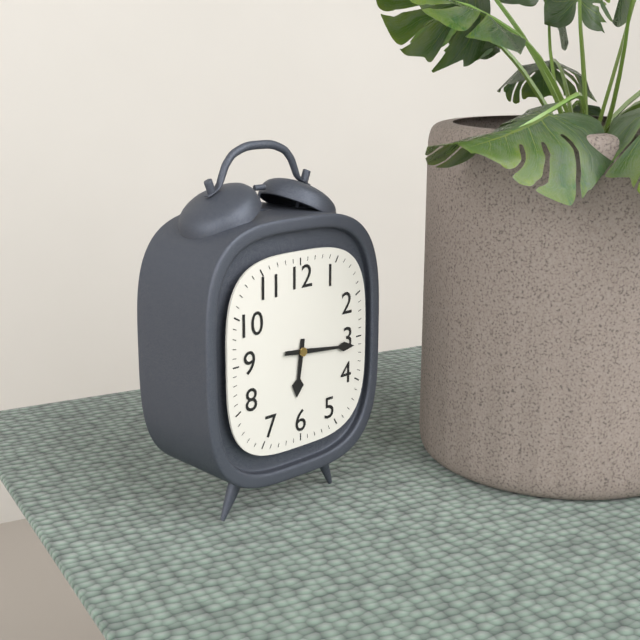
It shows {"hour": 6, "minute": 16}
